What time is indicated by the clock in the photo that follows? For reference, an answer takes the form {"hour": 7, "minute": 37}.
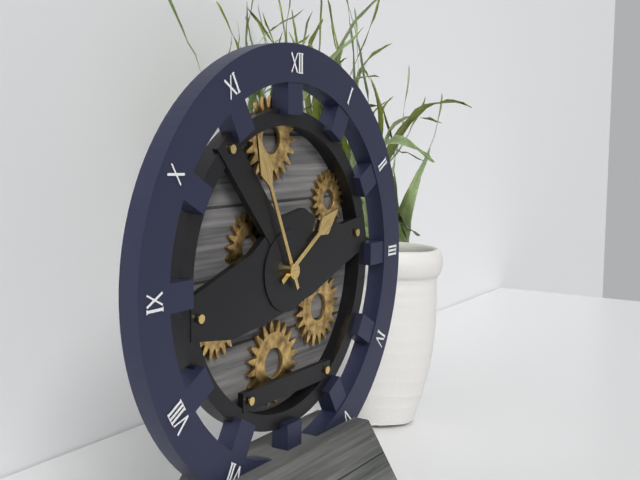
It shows {"hour": 1, "minute": 56}
